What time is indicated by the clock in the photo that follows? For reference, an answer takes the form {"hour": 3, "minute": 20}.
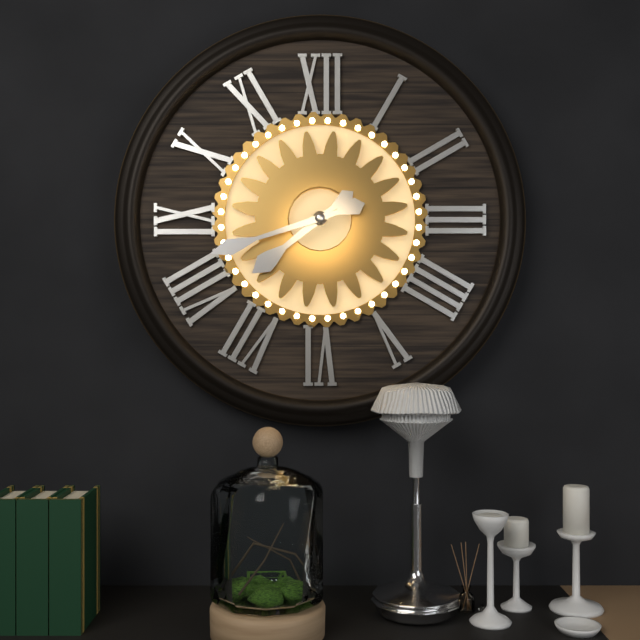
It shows {"hour": 7, "minute": 42}
